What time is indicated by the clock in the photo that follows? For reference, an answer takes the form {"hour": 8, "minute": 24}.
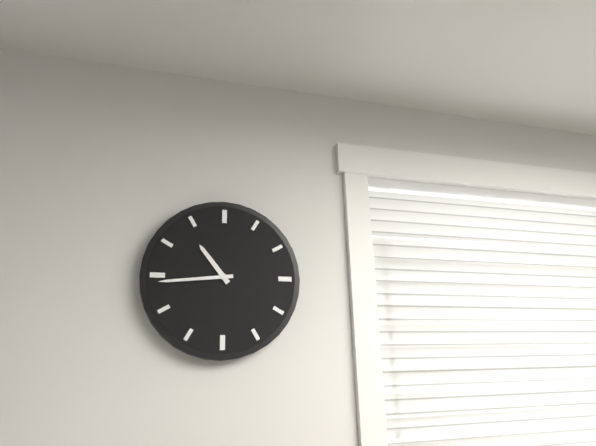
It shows {"hour": 10, "minute": 44}
